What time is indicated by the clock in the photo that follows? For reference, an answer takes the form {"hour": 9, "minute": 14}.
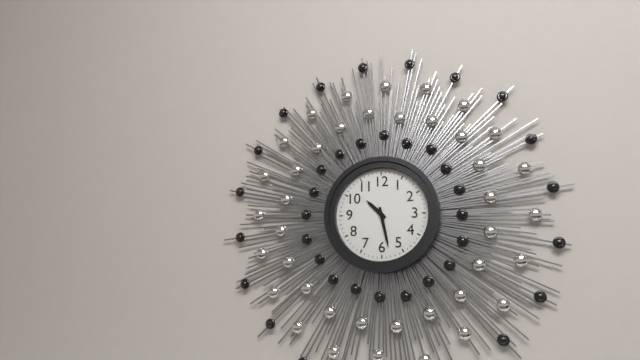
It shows {"hour": 10, "minute": 28}
